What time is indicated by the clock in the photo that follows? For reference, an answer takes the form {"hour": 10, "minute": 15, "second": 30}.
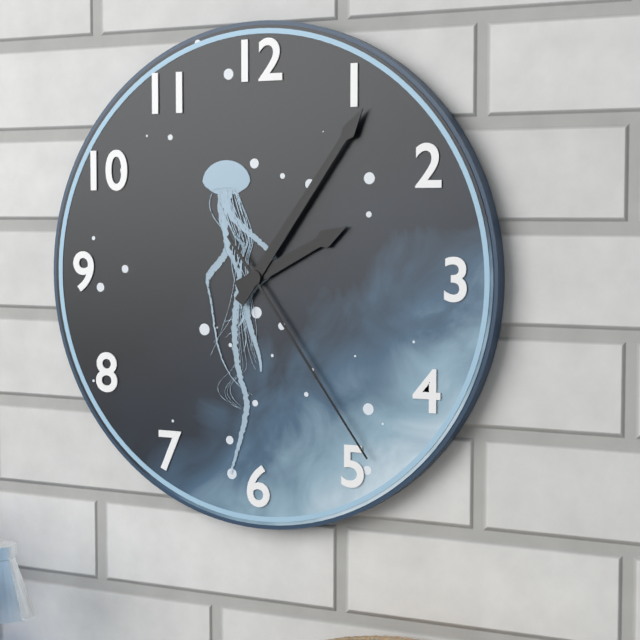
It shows {"hour": 2, "minute": 6, "second": 24}
